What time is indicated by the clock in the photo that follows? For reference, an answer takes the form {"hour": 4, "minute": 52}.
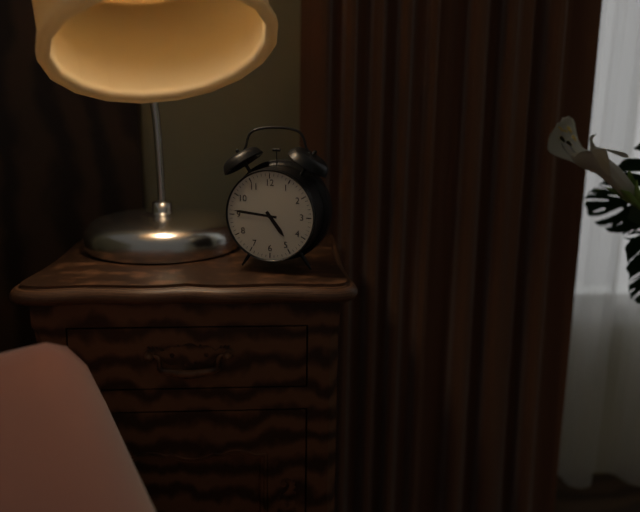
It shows {"hour": 4, "minute": 46}
